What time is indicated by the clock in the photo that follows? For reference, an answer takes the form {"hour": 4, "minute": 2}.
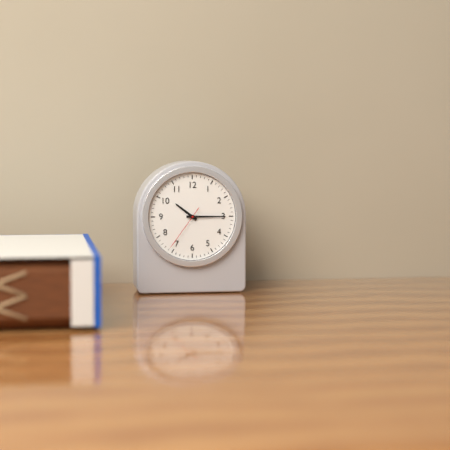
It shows {"hour": 10, "minute": 15}
